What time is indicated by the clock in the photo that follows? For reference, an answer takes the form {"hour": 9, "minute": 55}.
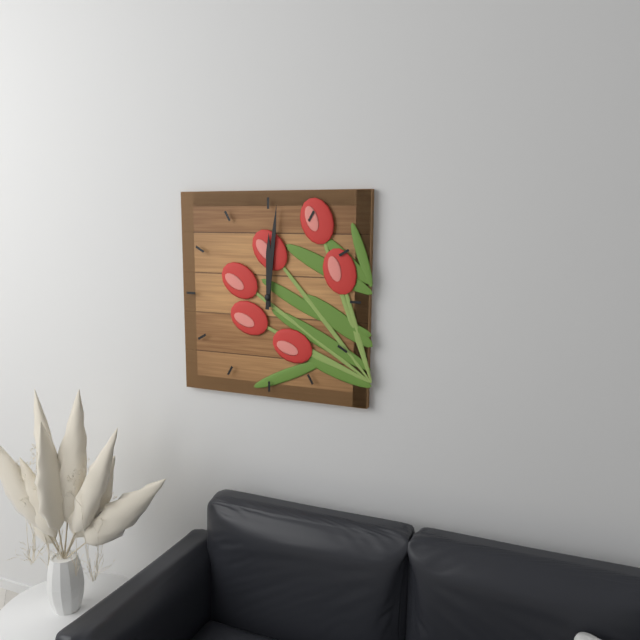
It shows {"hour": 12, "minute": 1}
